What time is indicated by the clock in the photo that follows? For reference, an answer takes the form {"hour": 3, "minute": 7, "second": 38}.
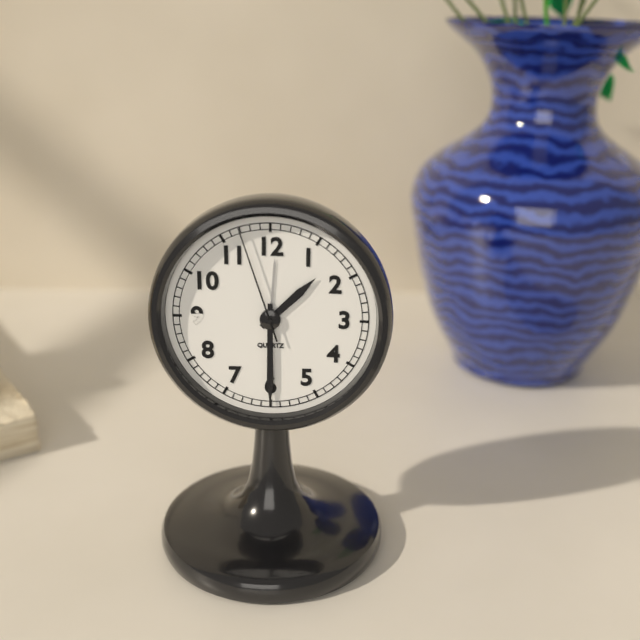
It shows {"hour": 1, "minute": 30, "second": 57}
